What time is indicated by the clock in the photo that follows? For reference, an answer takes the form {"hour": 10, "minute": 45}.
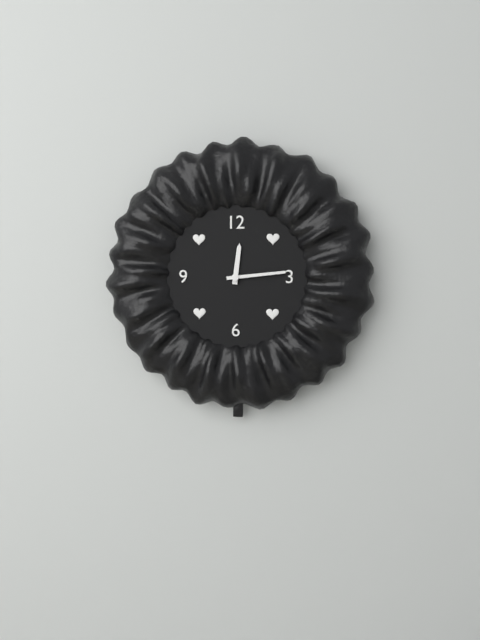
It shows {"hour": 12, "minute": 14}
